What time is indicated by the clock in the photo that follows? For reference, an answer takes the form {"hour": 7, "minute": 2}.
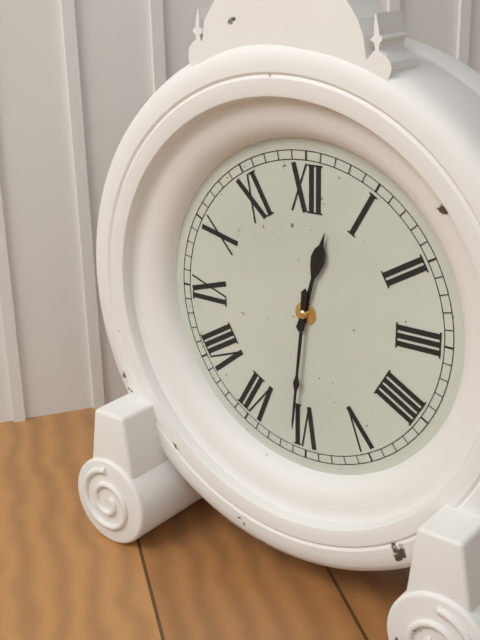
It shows {"hour": 12, "minute": 31}
